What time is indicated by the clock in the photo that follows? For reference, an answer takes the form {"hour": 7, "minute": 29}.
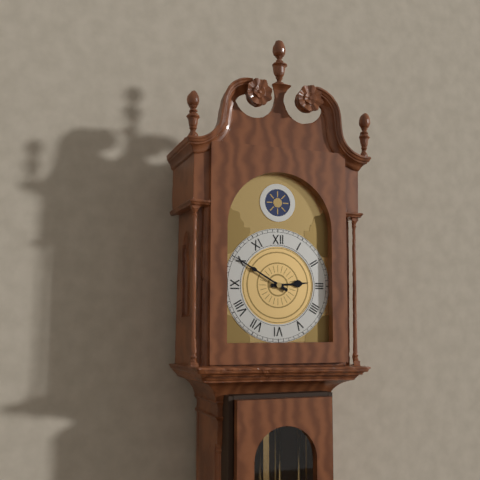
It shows {"hour": 2, "minute": 50}
